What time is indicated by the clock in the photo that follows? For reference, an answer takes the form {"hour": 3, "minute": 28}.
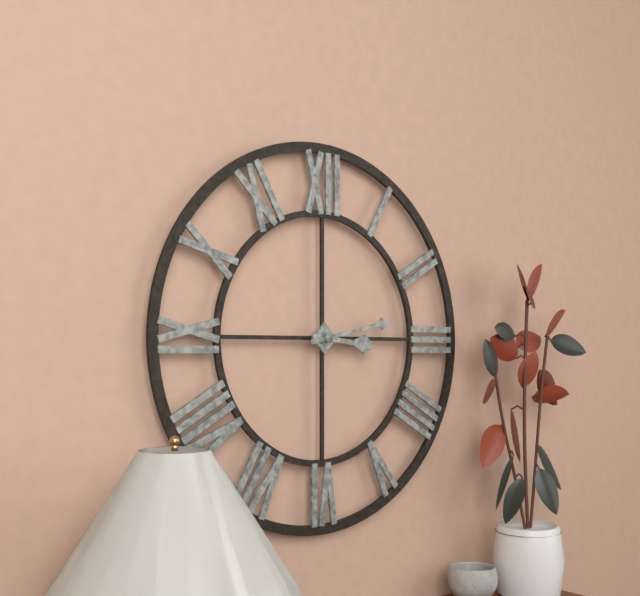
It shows {"hour": 3, "minute": 13}
